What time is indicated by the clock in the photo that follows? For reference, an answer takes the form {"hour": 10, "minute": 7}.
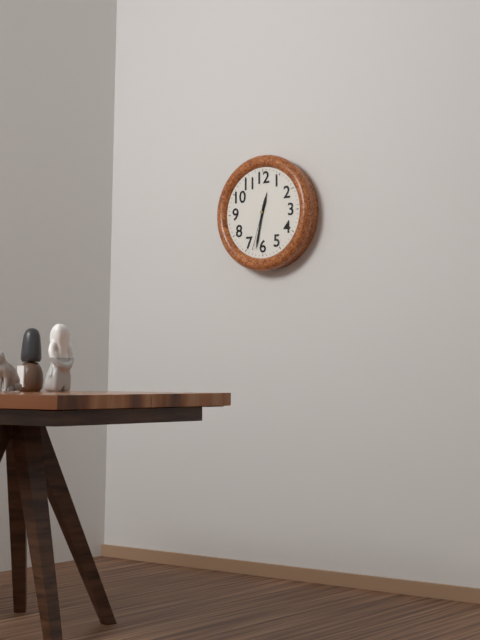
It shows {"hour": 12, "minute": 32}
